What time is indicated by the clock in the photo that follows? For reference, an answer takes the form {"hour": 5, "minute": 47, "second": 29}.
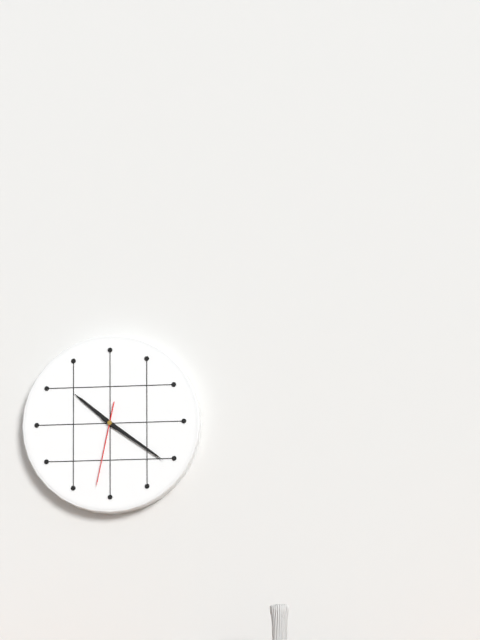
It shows {"hour": 10, "minute": 21, "second": 32}
